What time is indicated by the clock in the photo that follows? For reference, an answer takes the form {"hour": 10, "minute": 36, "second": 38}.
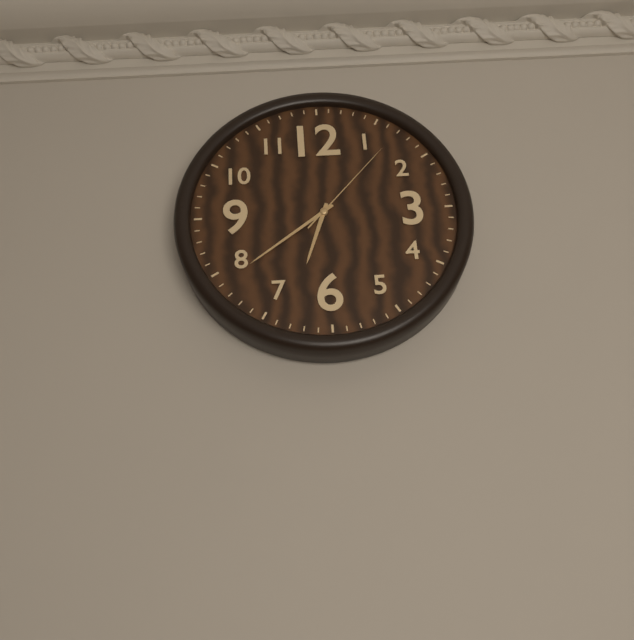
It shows {"hour": 6, "minute": 39, "second": 7}
